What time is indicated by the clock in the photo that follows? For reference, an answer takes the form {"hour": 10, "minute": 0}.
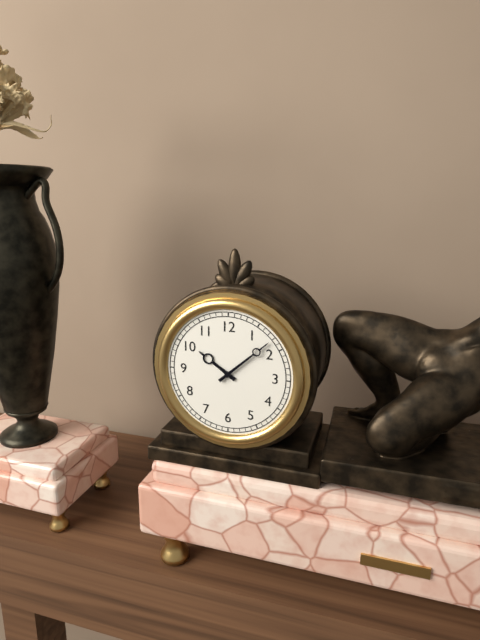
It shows {"hour": 10, "minute": 8}
